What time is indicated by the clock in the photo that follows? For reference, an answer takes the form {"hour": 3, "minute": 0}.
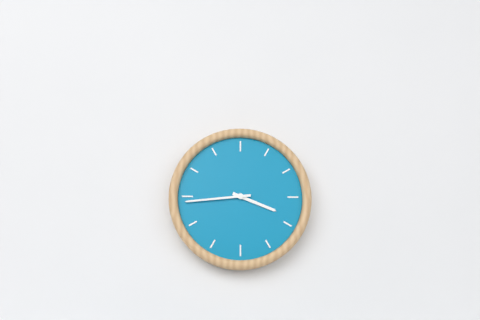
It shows {"hour": 3, "minute": 44}
